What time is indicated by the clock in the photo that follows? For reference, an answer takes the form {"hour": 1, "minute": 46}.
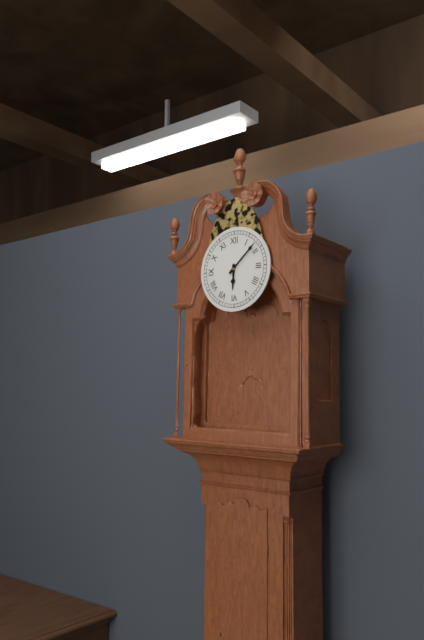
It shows {"hour": 6, "minute": 8}
